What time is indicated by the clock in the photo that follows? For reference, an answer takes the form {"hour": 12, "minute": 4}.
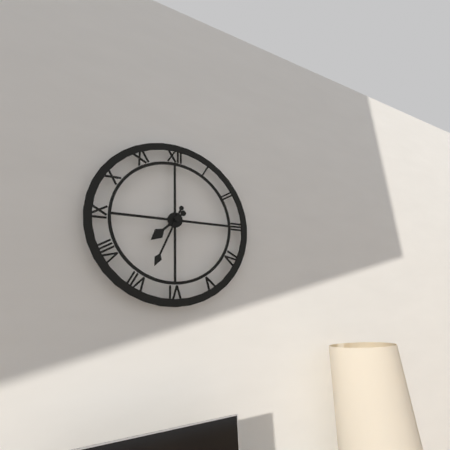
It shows {"hour": 7, "minute": 34}
